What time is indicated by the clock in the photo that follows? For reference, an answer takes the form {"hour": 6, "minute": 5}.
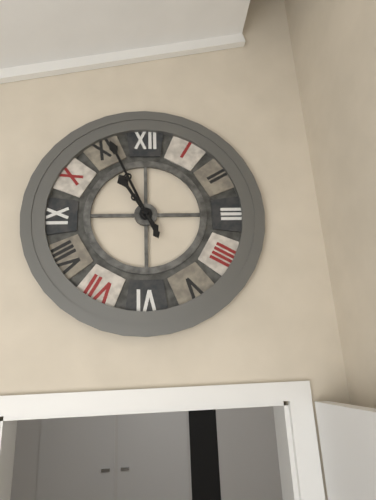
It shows {"hour": 10, "minute": 56}
